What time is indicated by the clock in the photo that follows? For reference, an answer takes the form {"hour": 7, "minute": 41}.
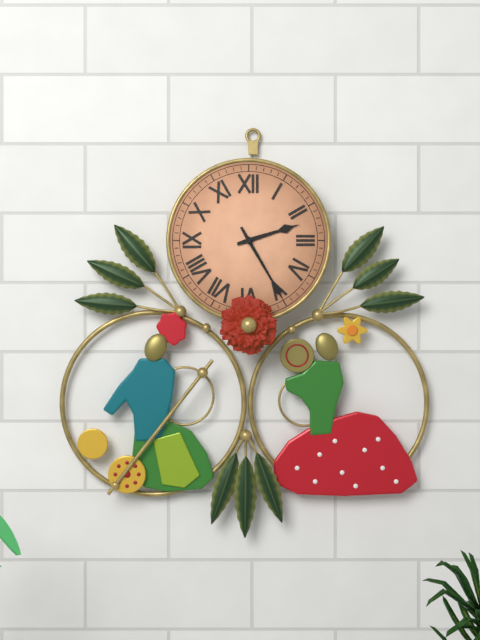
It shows {"hour": 2, "minute": 25}
